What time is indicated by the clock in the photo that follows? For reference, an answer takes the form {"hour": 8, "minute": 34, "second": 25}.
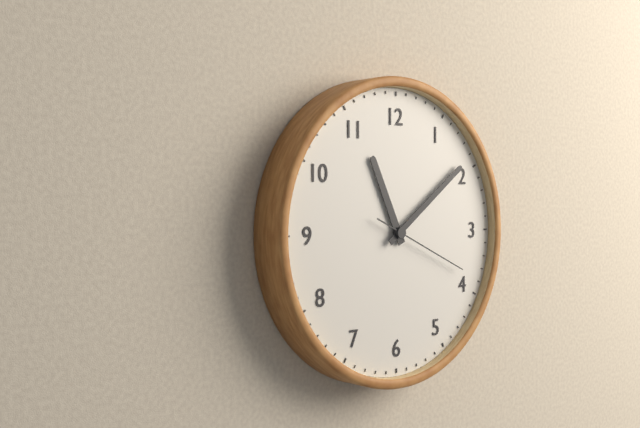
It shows {"hour": 11, "minute": 9, "second": 19}
